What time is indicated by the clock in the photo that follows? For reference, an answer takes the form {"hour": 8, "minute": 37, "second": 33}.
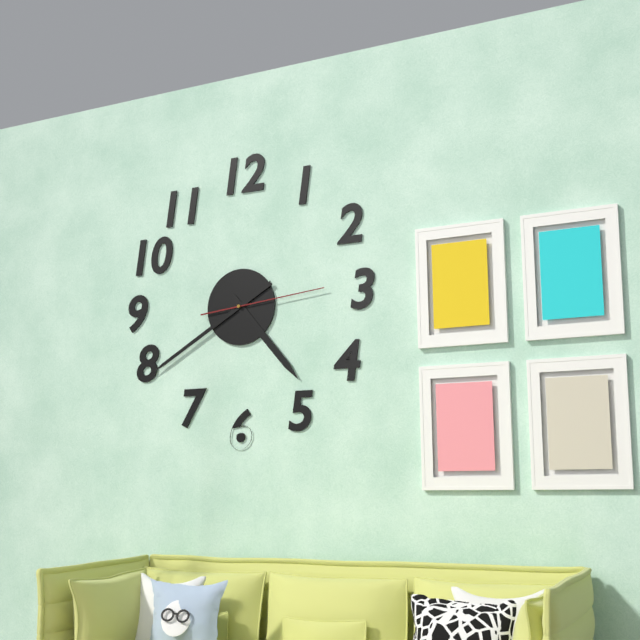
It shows {"hour": 4, "minute": 40, "second": 14}
